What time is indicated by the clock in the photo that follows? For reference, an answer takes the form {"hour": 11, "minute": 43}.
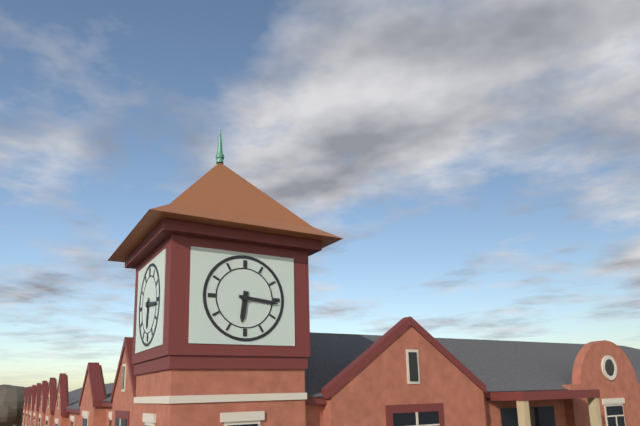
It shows {"hour": 6, "minute": 16}
